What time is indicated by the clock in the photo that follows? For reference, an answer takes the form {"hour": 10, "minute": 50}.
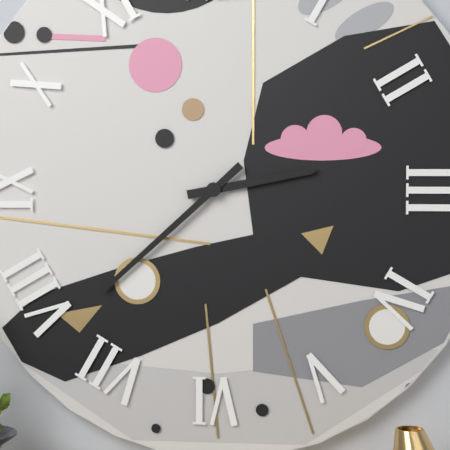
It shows {"hour": 2, "minute": 38}
